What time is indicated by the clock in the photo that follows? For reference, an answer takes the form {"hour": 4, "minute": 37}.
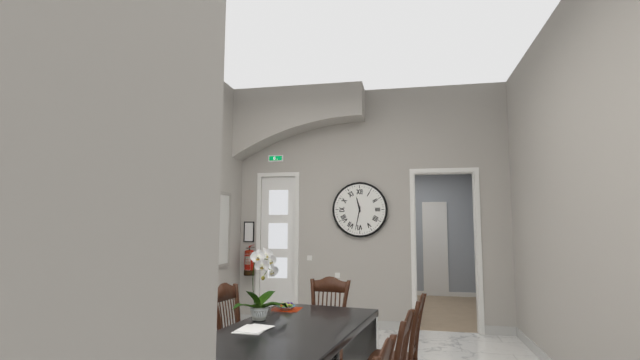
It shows {"hour": 11, "minute": 32}
